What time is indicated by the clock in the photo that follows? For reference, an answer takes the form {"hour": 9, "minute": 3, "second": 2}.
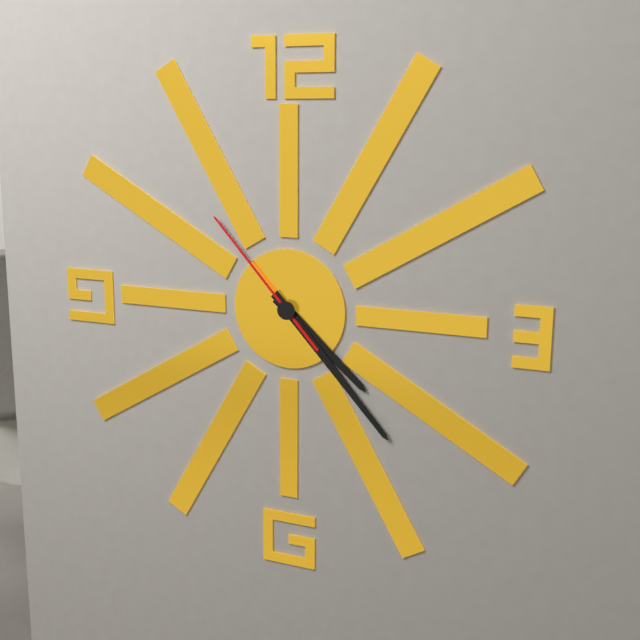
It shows {"hour": 4, "minute": 23, "second": 53}
